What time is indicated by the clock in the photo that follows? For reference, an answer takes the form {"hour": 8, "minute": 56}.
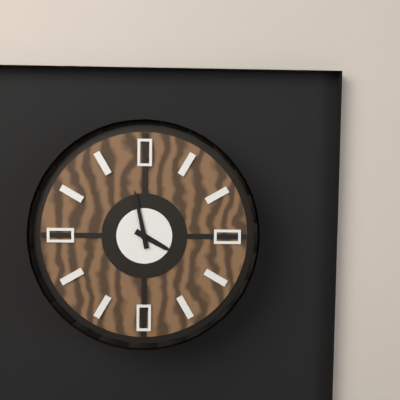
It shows {"hour": 3, "minute": 58}
